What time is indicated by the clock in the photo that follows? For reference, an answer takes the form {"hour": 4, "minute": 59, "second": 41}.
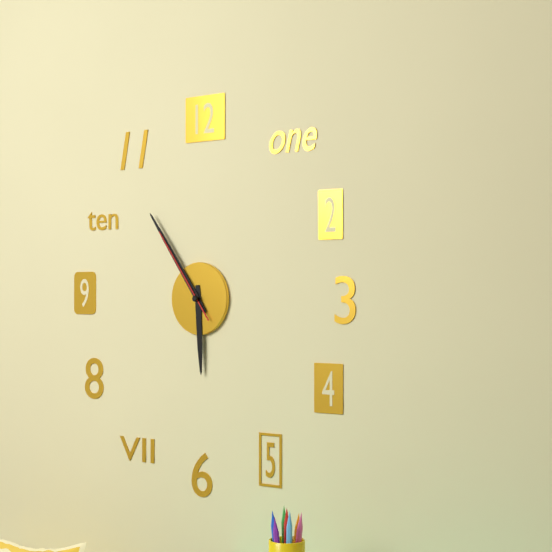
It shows {"hour": 5, "minute": 54, "second": 54}
